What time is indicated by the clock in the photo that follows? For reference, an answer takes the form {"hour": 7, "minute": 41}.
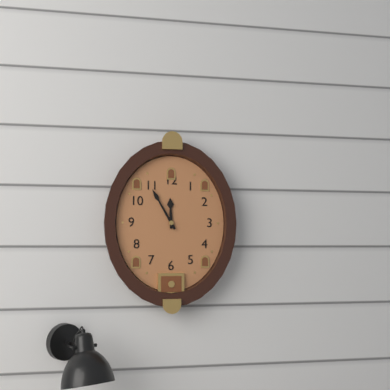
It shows {"hour": 11, "minute": 55}
